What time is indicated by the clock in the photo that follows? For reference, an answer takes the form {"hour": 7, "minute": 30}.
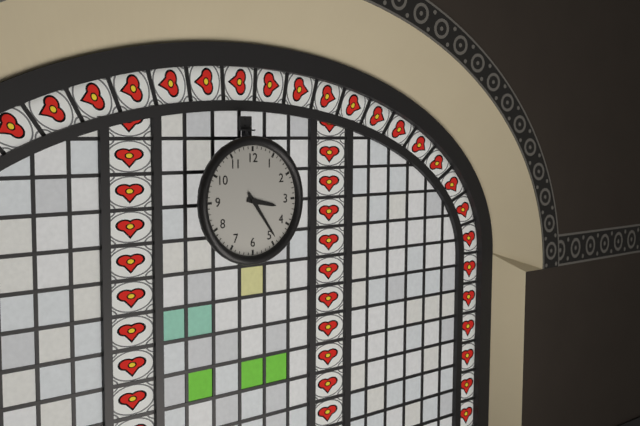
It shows {"hour": 3, "minute": 24}
